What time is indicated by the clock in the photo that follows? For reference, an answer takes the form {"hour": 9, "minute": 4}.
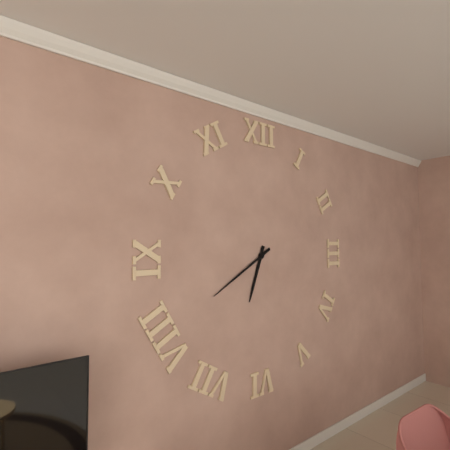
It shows {"hour": 6, "minute": 40}
